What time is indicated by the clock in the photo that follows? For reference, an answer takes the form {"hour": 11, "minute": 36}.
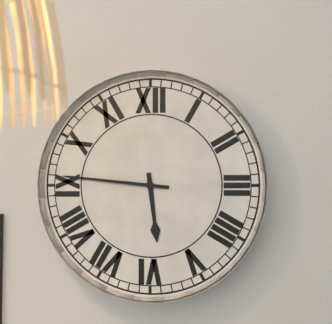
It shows {"hour": 5, "minute": 46}
